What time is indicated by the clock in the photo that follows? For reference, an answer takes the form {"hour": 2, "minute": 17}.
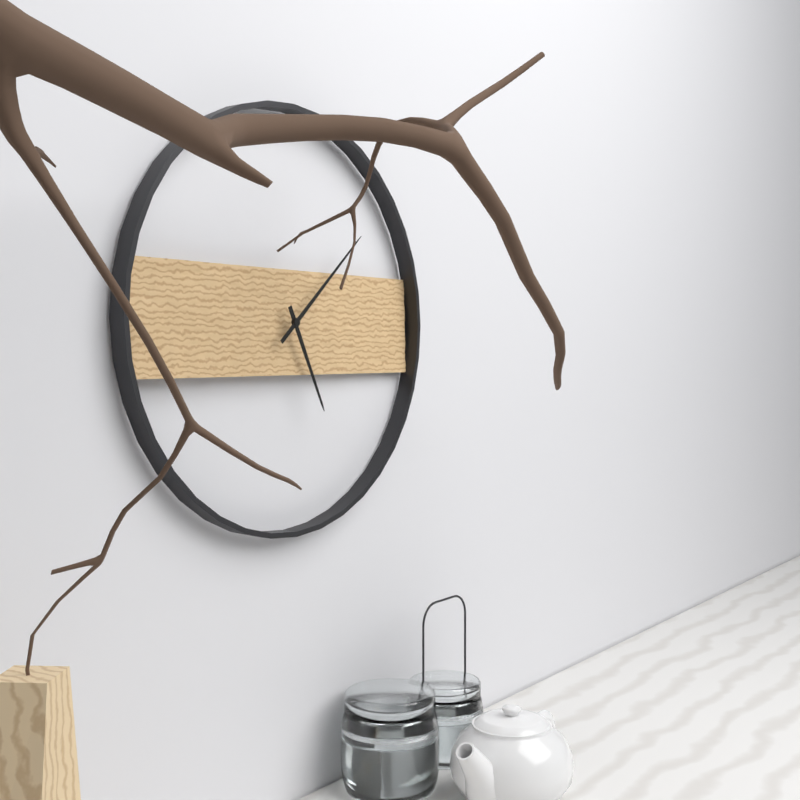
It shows {"hour": 5, "minute": 8}
